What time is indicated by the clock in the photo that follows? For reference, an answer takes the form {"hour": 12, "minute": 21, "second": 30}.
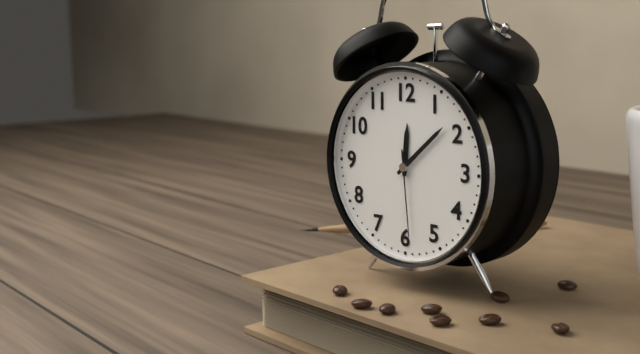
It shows {"hour": 12, "minute": 8, "second": 29}
